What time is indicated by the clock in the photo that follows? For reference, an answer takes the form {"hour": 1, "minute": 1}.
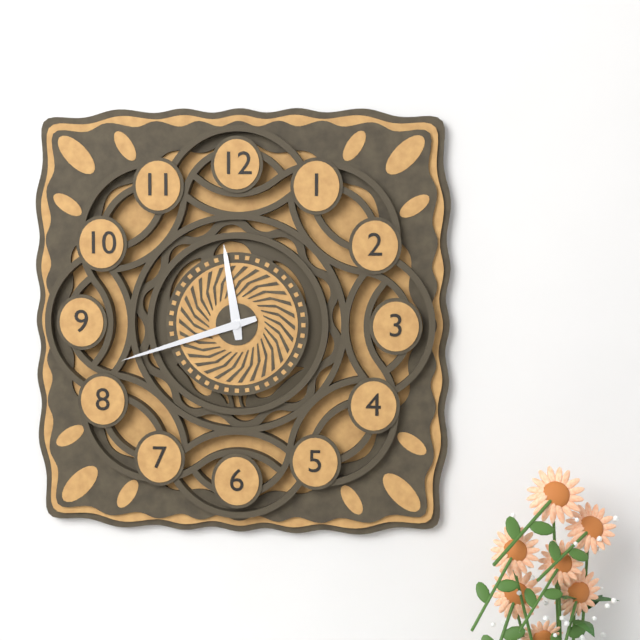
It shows {"hour": 11, "minute": 42}
